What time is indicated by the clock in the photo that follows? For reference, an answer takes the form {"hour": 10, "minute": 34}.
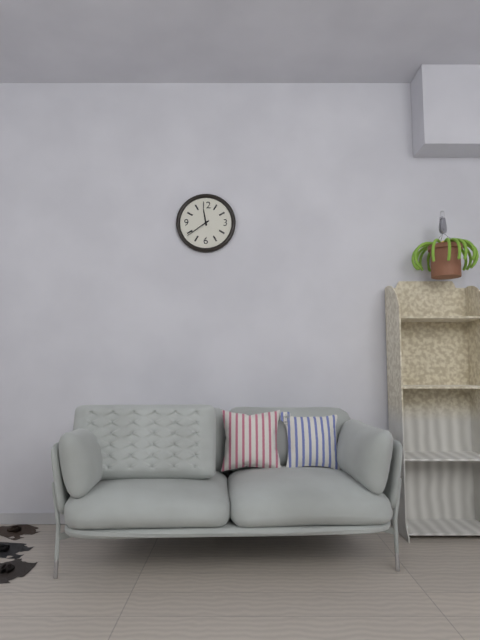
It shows {"hour": 11, "minute": 39}
